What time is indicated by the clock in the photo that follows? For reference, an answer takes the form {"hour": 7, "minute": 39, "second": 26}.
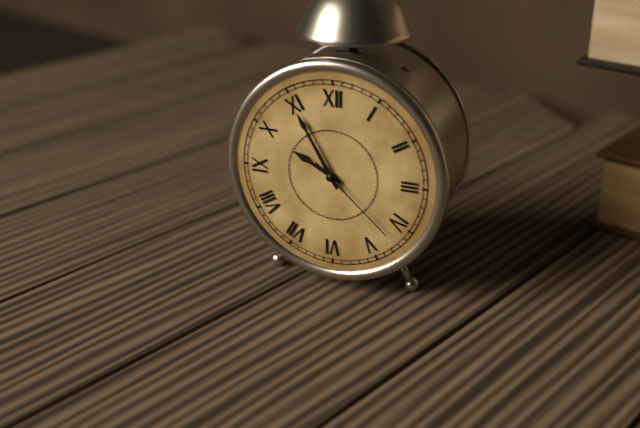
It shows {"hour": 9, "minute": 55, "second": 22}
